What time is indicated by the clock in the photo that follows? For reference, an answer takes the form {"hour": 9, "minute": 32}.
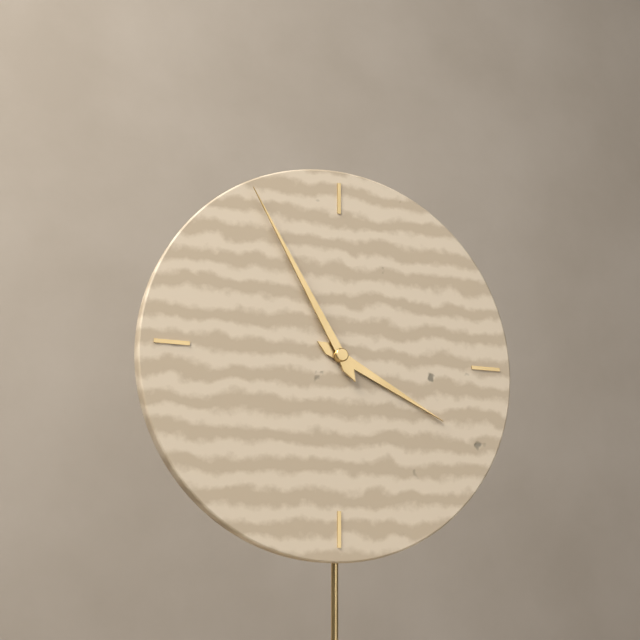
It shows {"hour": 3, "minute": 55}
